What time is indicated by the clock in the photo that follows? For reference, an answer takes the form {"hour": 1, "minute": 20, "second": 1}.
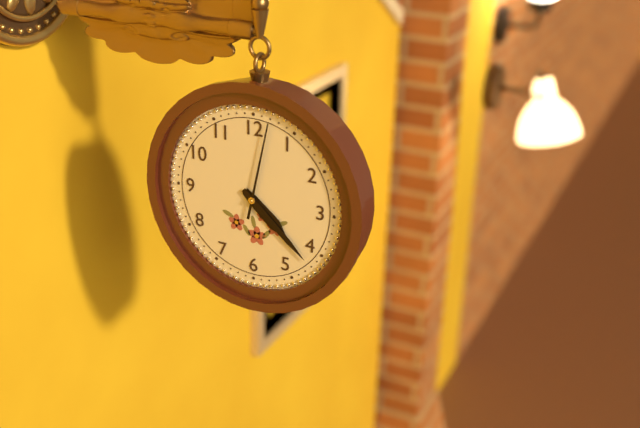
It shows {"hour": 4, "minute": 22, "second": 2}
